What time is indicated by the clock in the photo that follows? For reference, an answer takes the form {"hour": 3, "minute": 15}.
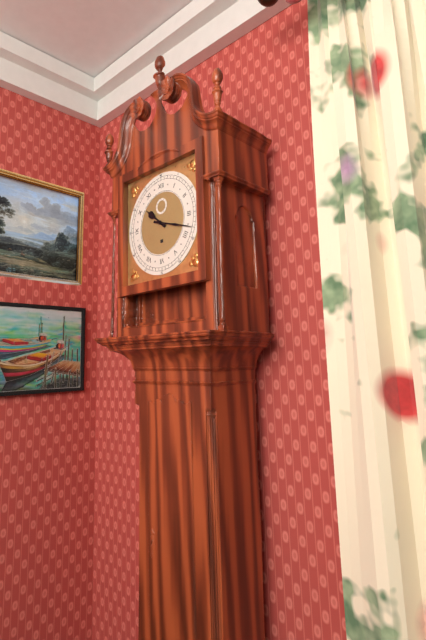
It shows {"hour": 10, "minute": 18}
